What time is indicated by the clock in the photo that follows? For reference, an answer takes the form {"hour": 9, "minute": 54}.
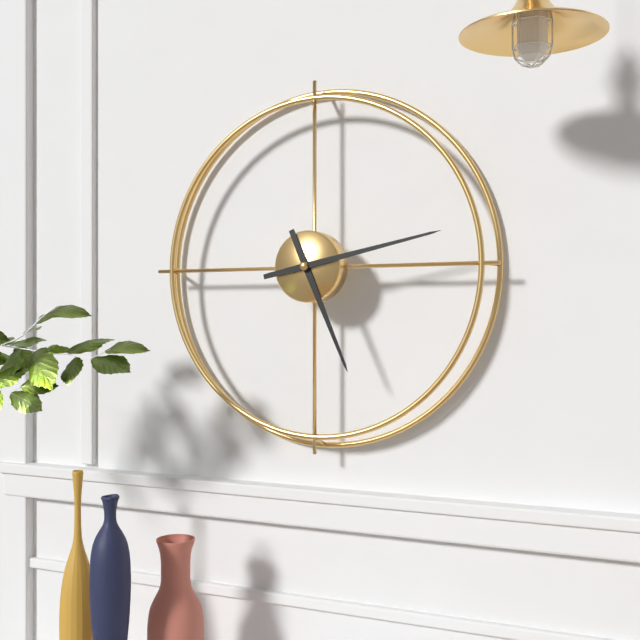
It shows {"hour": 5, "minute": 13}
